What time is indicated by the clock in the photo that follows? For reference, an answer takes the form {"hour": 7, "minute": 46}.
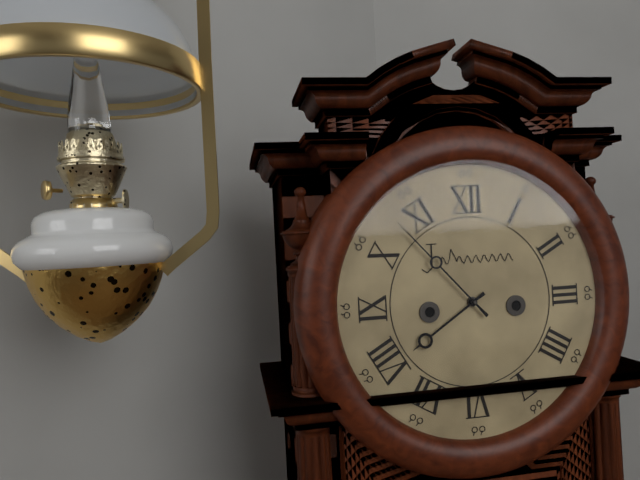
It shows {"hour": 7, "minute": 53}
